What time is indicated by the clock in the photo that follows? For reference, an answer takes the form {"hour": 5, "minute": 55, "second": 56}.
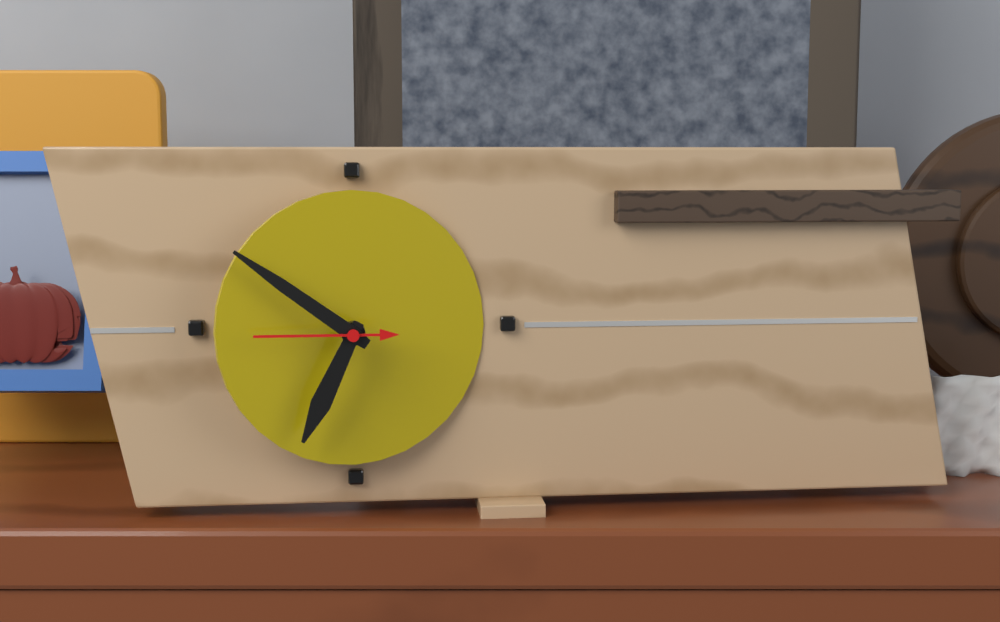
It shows {"hour": 6, "minute": 51, "second": 45}
